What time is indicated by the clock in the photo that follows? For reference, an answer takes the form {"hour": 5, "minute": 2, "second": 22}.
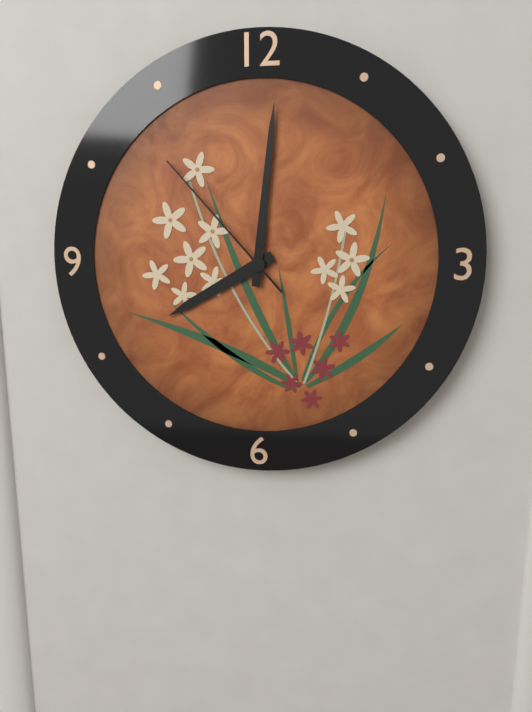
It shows {"hour": 8, "minute": 1, "second": 53}
